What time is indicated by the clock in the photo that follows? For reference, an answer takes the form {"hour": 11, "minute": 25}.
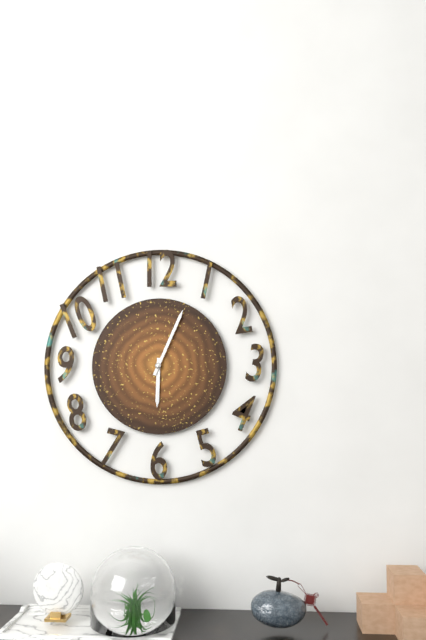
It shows {"hour": 6, "minute": 4}
